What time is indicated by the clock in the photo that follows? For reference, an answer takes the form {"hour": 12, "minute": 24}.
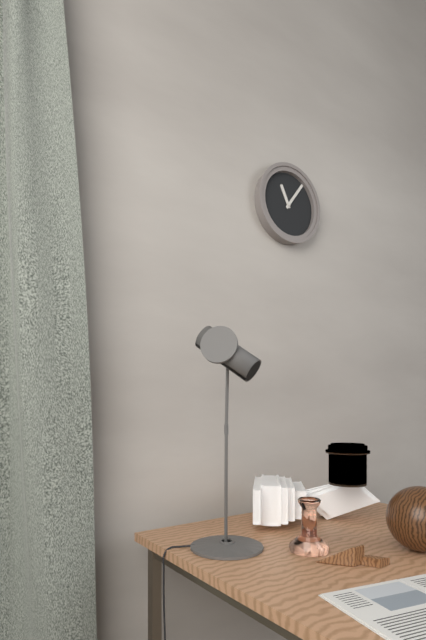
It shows {"hour": 11, "minute": 6}
